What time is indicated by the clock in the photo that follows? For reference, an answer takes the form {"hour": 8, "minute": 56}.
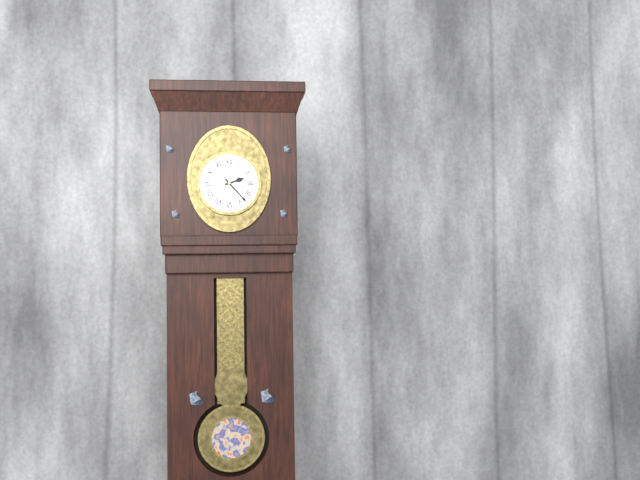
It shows {"hour": 2, "minute": 23}
